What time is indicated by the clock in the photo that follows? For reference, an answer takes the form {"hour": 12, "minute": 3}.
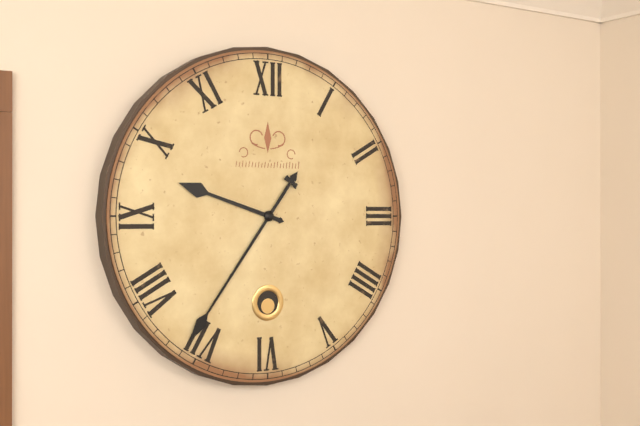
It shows {"hour": 9, "minute": 36}
